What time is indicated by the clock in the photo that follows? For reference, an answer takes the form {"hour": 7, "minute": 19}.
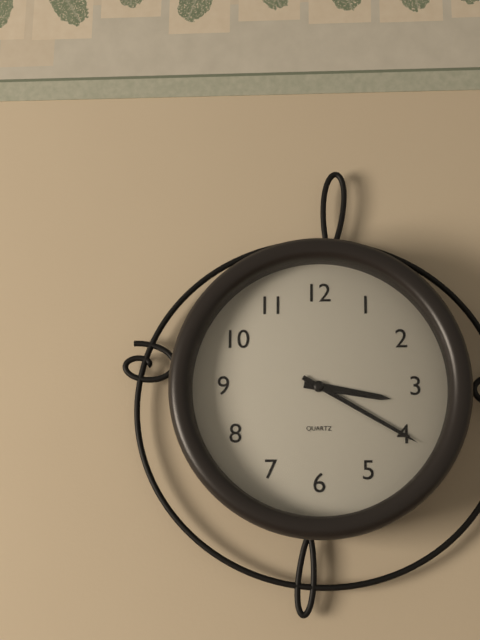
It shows {"hour": 3, "minute": 20}
